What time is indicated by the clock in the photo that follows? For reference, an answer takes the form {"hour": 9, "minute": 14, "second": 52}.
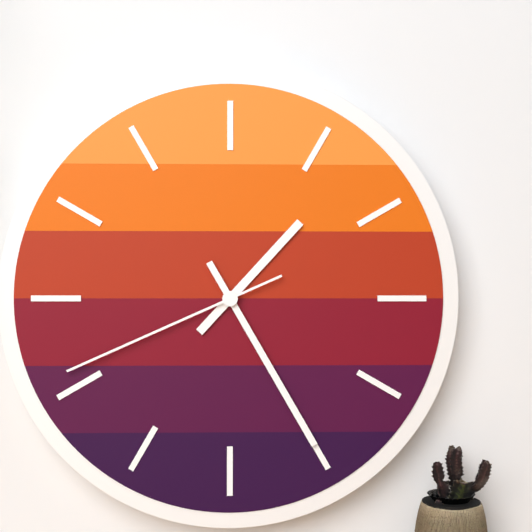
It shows {"hour": 1, "minute": 25, "second": 41}
